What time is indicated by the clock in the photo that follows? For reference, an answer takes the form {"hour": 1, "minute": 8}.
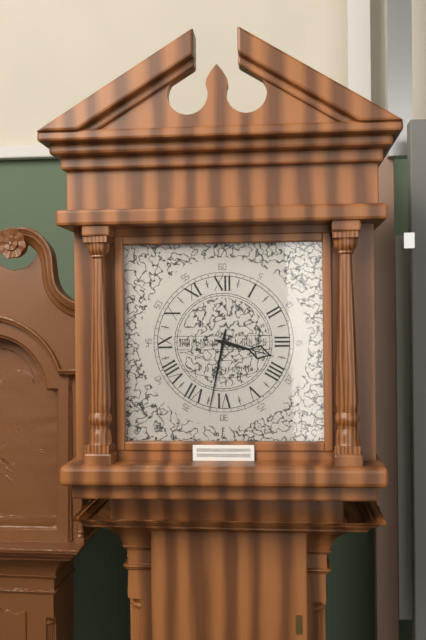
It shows {"hour": 3, "minute": 32}
